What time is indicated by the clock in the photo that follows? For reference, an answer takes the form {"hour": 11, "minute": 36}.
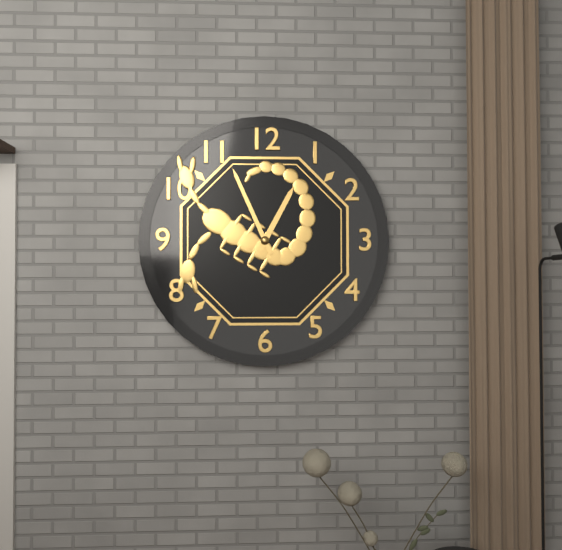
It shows {"hour": 12, "minute": 56}
